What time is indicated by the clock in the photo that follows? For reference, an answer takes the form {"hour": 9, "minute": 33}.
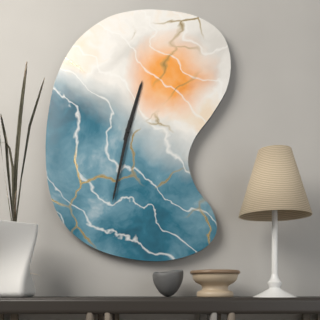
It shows {"hour": 12, "minute": 32}
